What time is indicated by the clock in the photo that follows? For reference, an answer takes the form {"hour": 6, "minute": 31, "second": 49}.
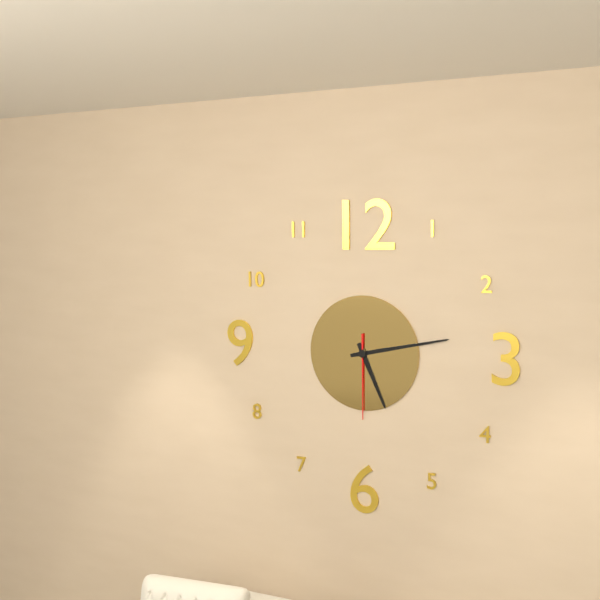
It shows {"hour": 5, "minute": 13, "second": 30}
